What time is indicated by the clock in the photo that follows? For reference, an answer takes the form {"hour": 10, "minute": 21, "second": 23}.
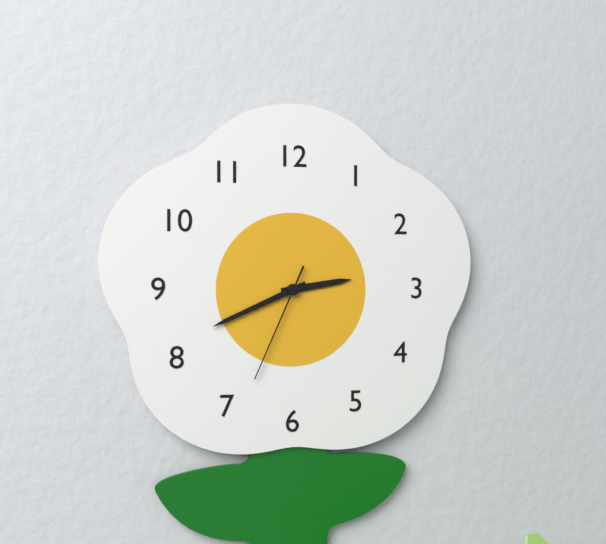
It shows {"hour": 2, "minute": 41, "second": 34}
